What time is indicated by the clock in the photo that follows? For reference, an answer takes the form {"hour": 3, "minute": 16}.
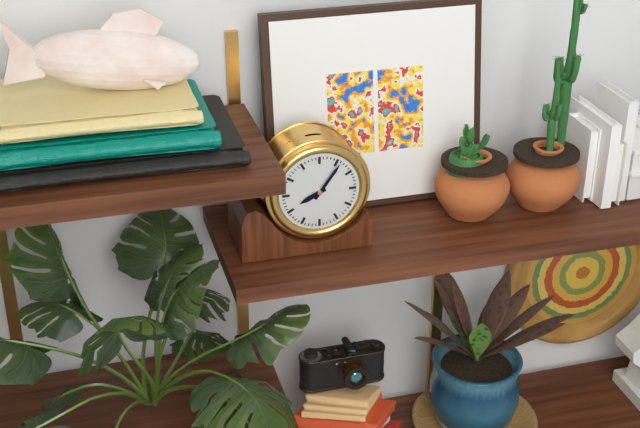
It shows {"hour": 8, "minute": 6}
